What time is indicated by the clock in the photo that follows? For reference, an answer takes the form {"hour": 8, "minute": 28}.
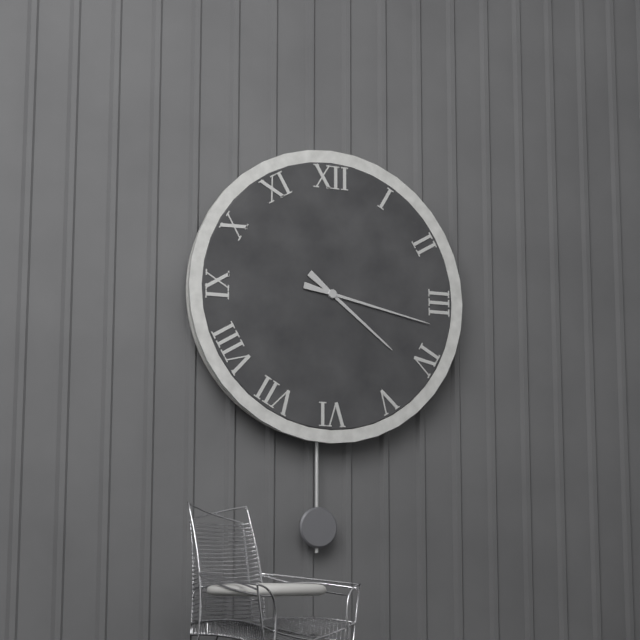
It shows {"hour": 4, "minute": 17}
